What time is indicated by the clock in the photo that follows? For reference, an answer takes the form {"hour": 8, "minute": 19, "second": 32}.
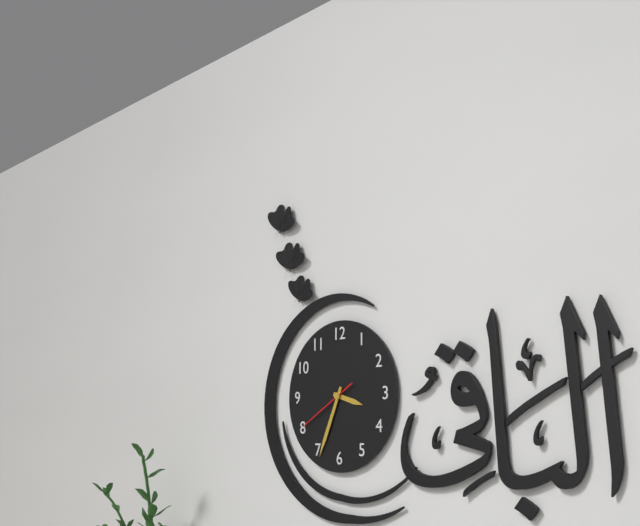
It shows {"hour": 3, "minute": 34, "second": 40}
